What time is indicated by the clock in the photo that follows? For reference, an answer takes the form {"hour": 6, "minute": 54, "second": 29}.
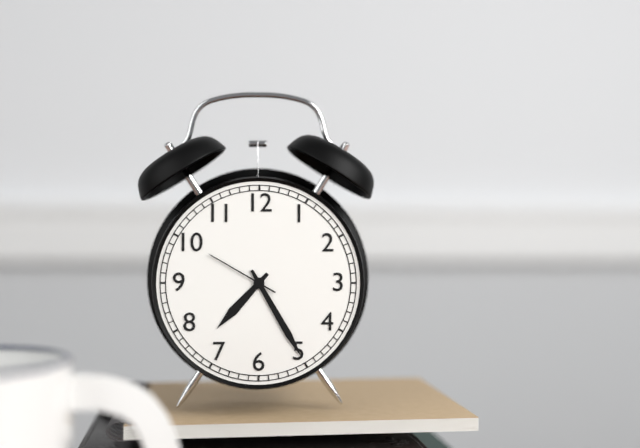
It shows {"hour": 7, "minute": 25, "second": 50}
